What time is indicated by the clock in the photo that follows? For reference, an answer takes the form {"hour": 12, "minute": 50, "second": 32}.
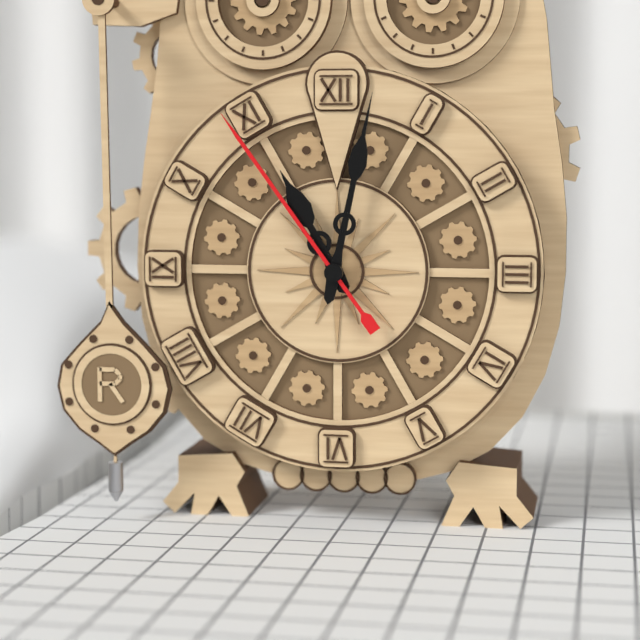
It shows {"hour": 11, "minute": 2, "second": 54}
